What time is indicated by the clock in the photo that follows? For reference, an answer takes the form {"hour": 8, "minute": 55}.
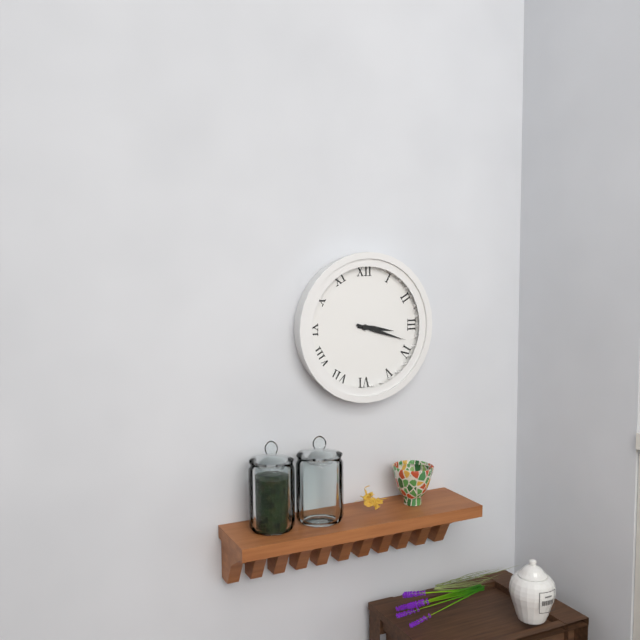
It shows {"hour": 3, "minute": 18}
